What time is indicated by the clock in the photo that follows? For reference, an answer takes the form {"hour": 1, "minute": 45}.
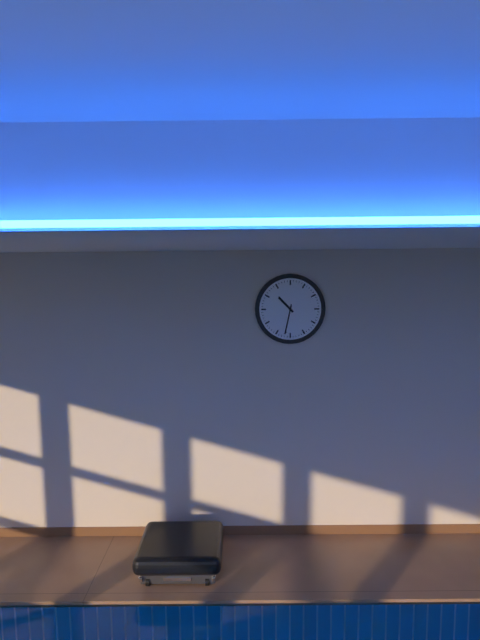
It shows {"hour": 10, "minute": 32}
